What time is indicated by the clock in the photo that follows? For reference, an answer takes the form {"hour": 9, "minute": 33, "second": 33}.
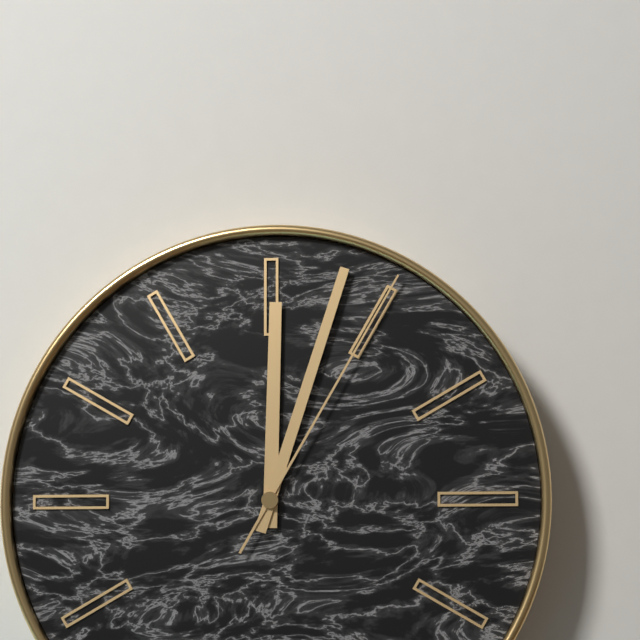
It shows {"hour": 12, "minute": 3, "second": 5}
